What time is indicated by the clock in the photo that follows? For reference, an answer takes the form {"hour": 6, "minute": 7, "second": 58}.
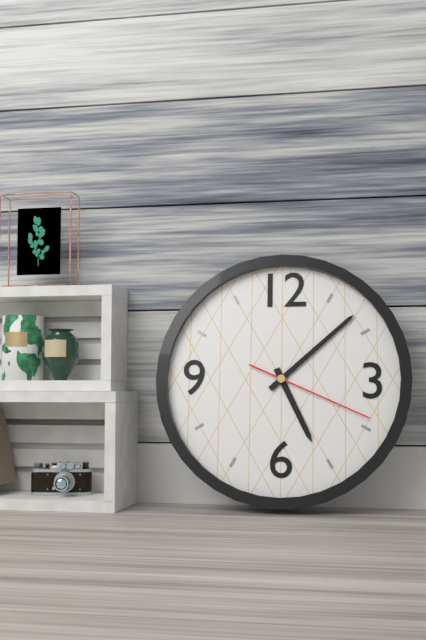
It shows {"hour": 5, "minute": 8, "second": 19}
